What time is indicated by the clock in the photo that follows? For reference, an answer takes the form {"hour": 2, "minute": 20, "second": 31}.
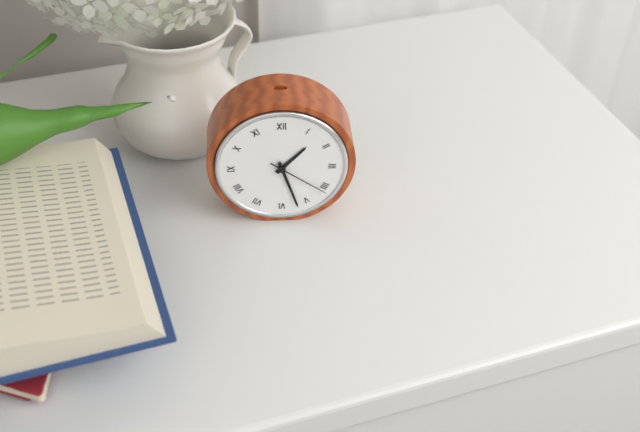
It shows {"hour": 1, "minute": 27, "second": 21}
